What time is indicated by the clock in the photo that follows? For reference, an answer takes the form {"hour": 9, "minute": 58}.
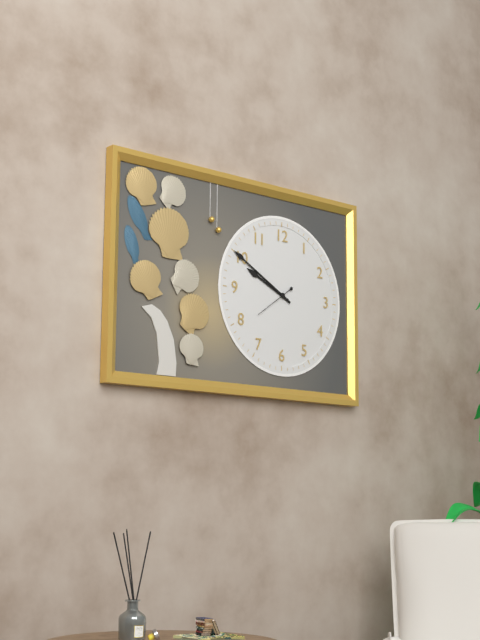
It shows {"hour": 9, "minute": 50}
